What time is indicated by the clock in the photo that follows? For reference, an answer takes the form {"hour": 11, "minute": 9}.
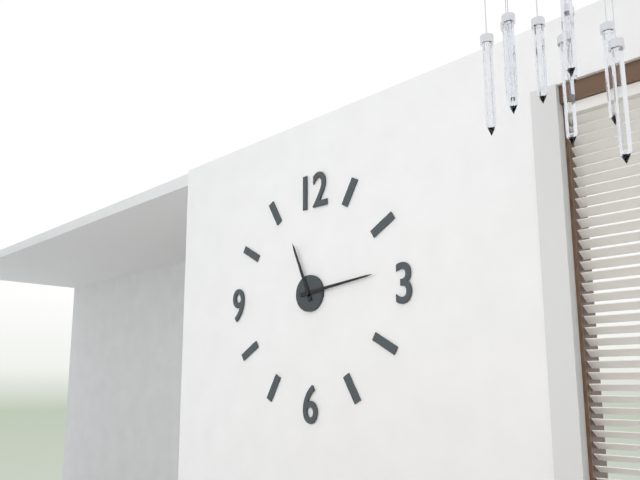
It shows {"hour": 11, "minute": 14}
